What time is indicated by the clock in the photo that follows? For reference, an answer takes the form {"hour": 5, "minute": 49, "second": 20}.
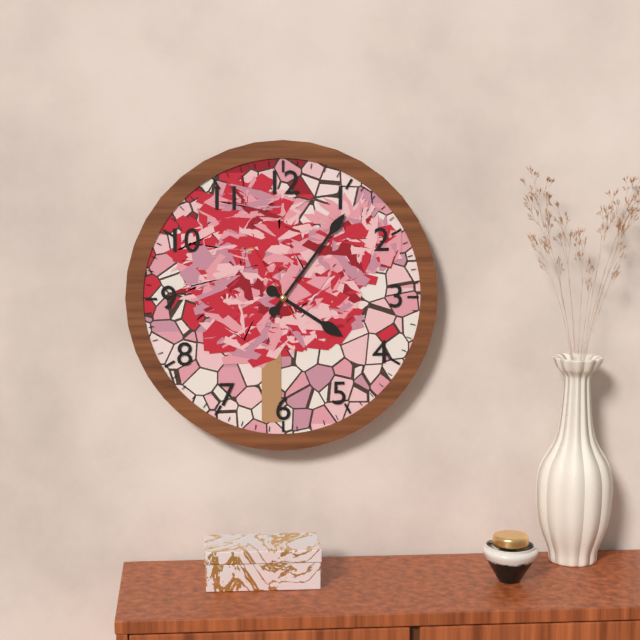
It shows {"hour": 4, "minute": 6, "second": 55}
